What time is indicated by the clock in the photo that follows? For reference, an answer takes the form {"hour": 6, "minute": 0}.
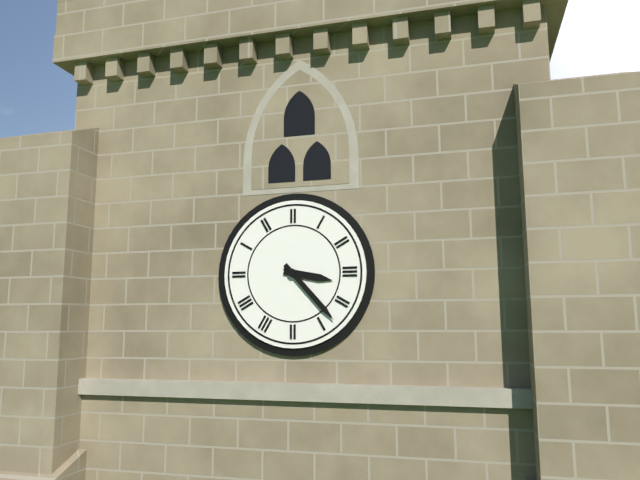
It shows {"hour": 3, "minute": 23}
